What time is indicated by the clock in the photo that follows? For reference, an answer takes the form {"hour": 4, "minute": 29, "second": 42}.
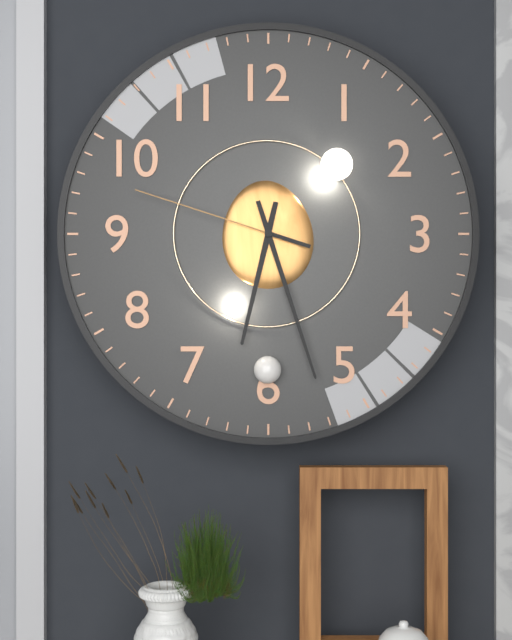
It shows {"hour": 6, "minute": 27, "second": 48}
